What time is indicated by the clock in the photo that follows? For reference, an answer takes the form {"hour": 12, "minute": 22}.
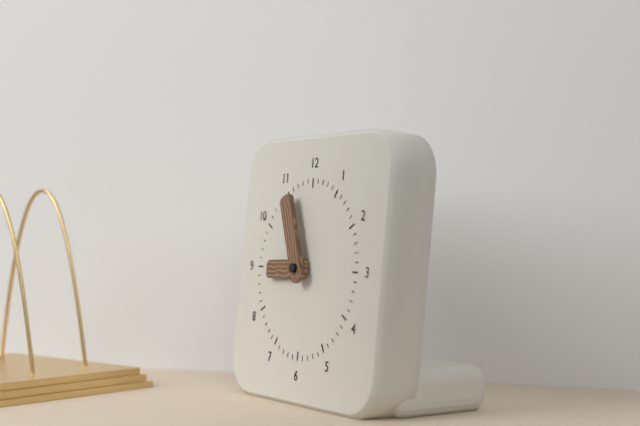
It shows {"hour": 8, "minute": 56}
